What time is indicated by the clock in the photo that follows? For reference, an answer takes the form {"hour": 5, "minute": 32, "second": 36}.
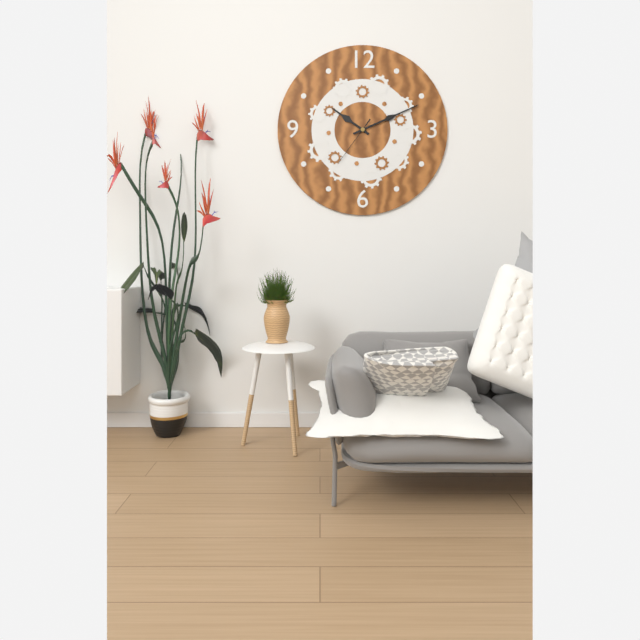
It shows {"hour": 10, "minute": 11, "second": 36}
